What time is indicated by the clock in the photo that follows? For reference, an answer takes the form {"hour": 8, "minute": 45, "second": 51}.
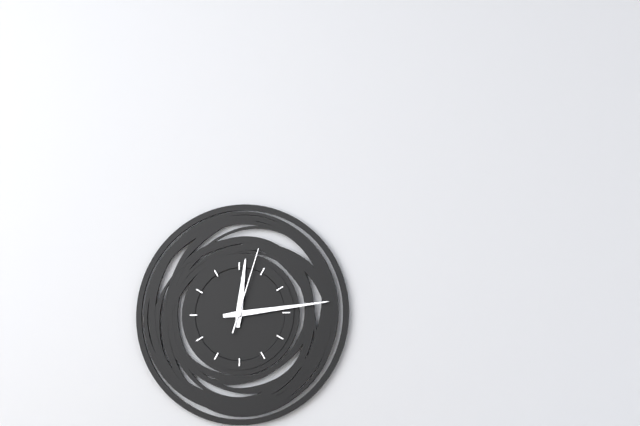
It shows {"hour": 12, "minute": 14, "second": 3}
